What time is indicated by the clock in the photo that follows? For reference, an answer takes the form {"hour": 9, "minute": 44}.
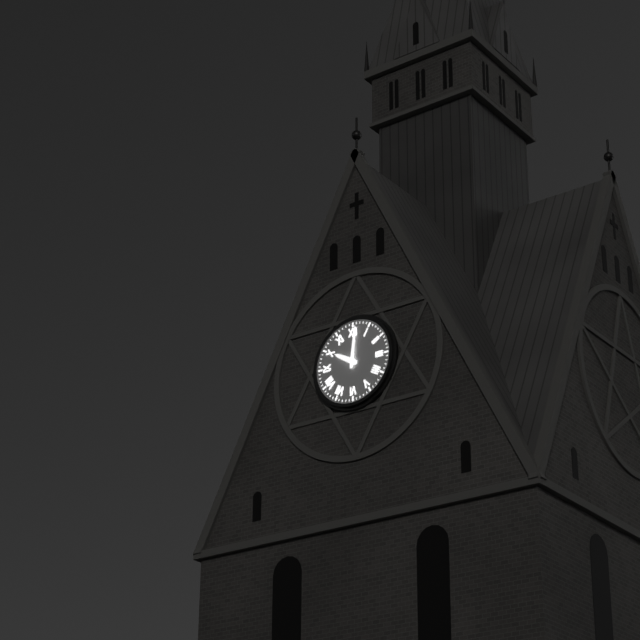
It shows {"hour": 10, "minute": 1}
